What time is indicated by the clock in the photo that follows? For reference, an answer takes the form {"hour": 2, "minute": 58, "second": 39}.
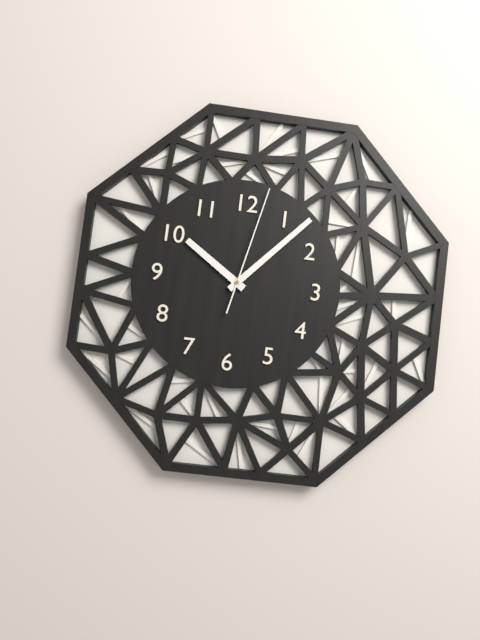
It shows {"hour": 10, "minute": 7, "second": 2}
